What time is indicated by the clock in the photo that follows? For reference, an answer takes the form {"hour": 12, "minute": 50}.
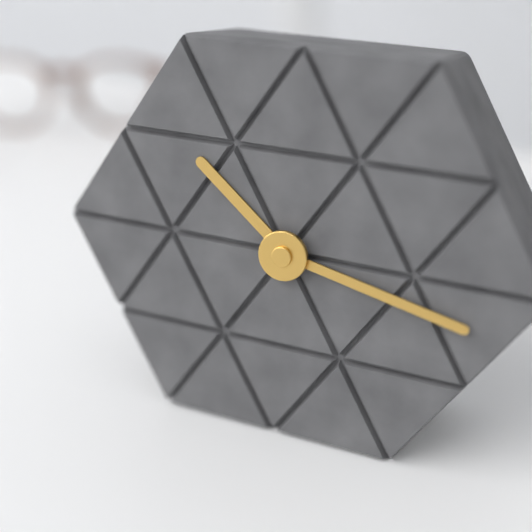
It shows {"hour": 10, "minute": 17}
